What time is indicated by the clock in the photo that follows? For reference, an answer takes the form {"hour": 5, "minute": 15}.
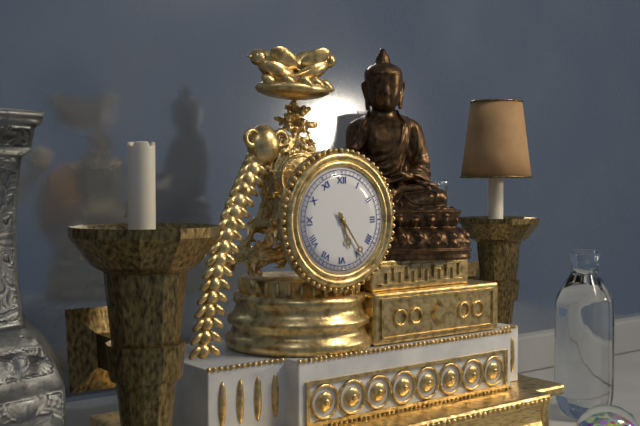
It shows {"hour": 5, "minute": 24}
